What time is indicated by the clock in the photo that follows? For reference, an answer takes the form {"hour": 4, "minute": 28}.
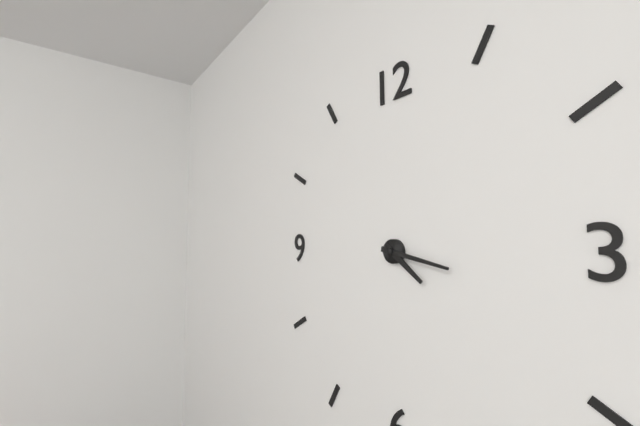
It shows {"hour": 4, "minute": 17}
